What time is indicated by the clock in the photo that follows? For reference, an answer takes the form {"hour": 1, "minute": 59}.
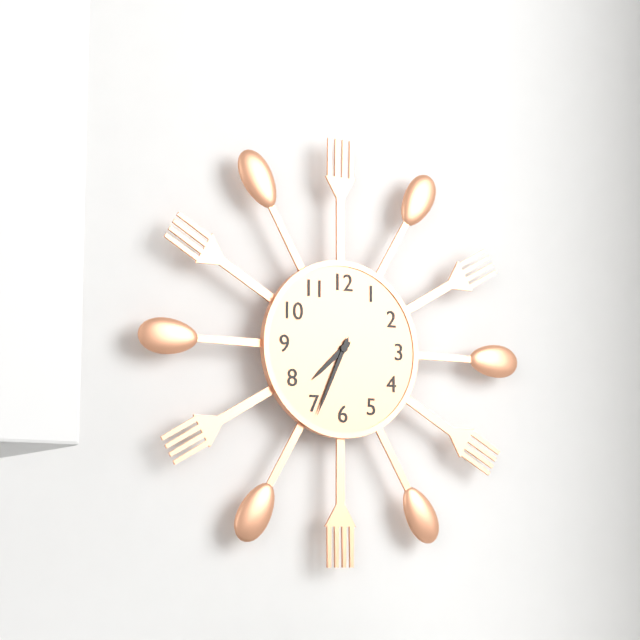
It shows {"hour": 7, "minute": 34}
